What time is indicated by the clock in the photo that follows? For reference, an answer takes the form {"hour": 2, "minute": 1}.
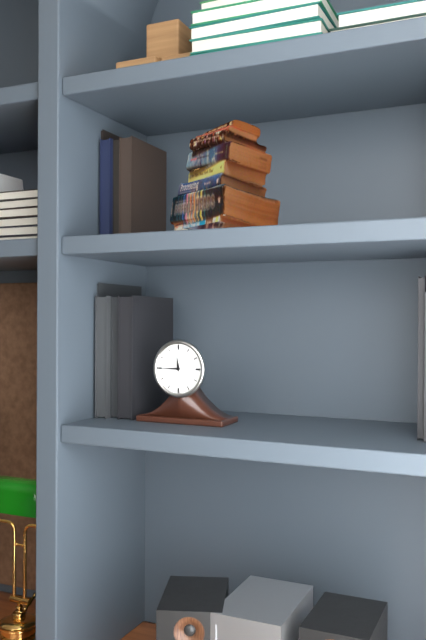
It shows {"hour": 11, "minute": 45}
